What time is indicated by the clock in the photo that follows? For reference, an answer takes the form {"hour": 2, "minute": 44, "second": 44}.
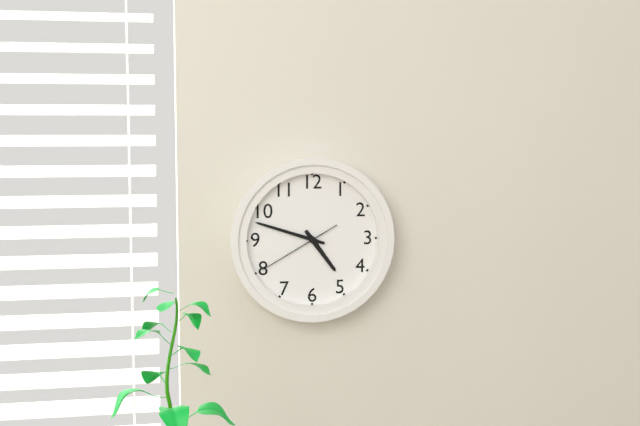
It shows {"hour": 4, "minute": 48, "second": 40}
